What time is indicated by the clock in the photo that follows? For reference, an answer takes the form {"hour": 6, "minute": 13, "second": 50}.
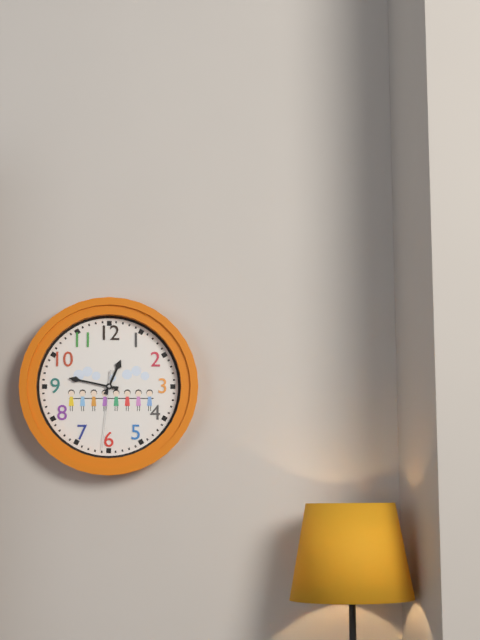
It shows {"hour": 12, "minute": 47, "second": 31}
